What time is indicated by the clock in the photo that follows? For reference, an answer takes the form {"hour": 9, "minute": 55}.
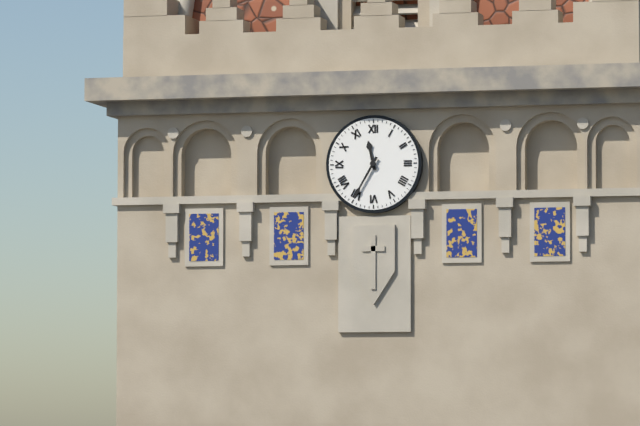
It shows {"hour": 11, "minute": 35}
